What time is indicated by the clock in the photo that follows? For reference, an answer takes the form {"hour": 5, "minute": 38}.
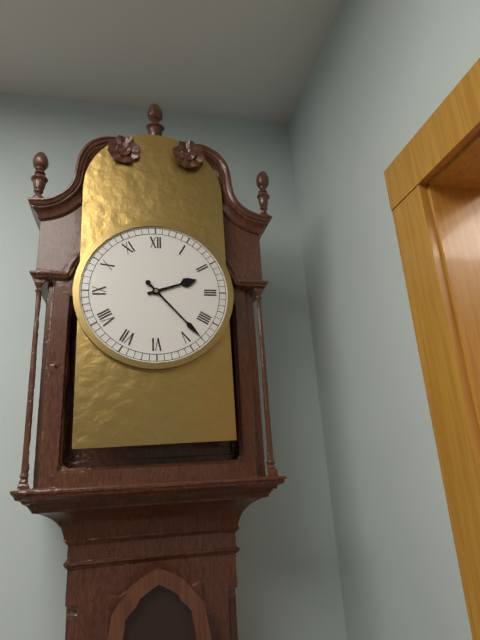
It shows {"hour": 2, "minute": 23}
